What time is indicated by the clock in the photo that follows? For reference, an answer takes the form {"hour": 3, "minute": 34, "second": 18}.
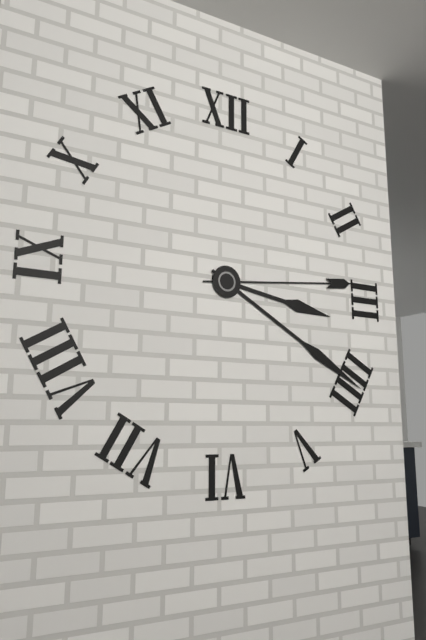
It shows {"hour": 3, "minute": 20, "second": 14}
